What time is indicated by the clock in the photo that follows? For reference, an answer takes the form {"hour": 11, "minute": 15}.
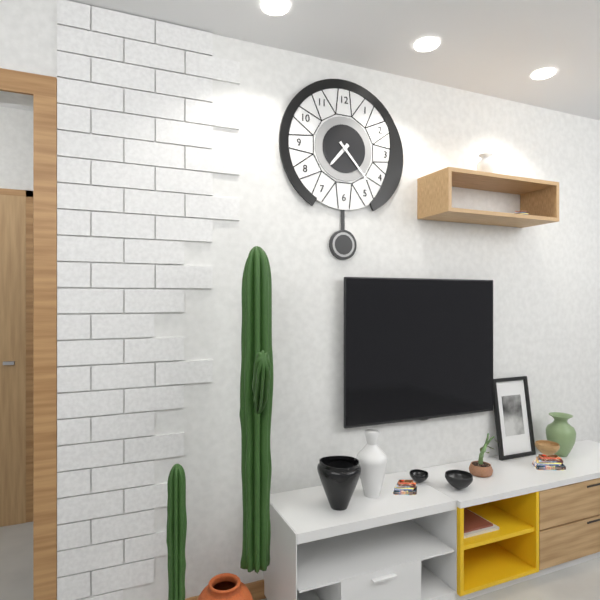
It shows {"hour": 7, "minute": 23}
